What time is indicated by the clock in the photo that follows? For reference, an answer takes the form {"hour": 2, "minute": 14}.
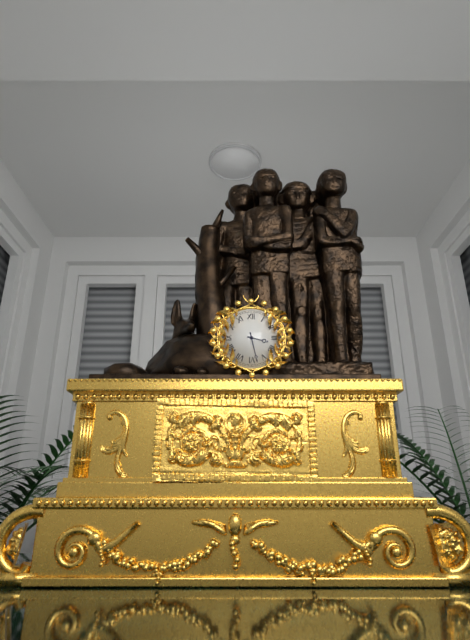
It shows {"hour": 3, "minute": 28}
